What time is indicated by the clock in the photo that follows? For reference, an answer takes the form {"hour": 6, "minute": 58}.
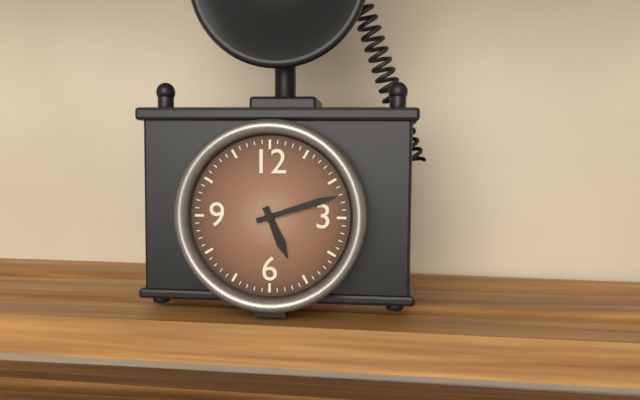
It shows {"hour": 5, "minute": 12}
